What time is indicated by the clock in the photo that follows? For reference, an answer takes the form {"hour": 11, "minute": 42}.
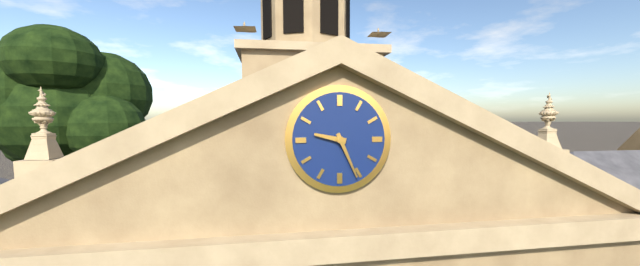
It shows {"hour": 9, "minute": 26}
